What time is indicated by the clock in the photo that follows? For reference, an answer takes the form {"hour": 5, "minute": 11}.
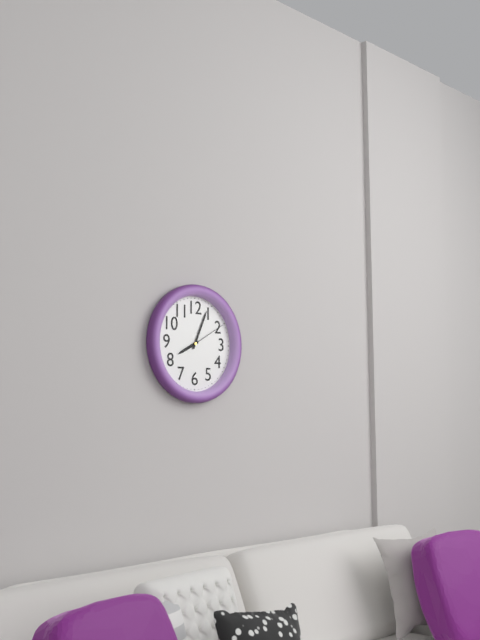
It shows {"hour": 8, "minute": 4}
